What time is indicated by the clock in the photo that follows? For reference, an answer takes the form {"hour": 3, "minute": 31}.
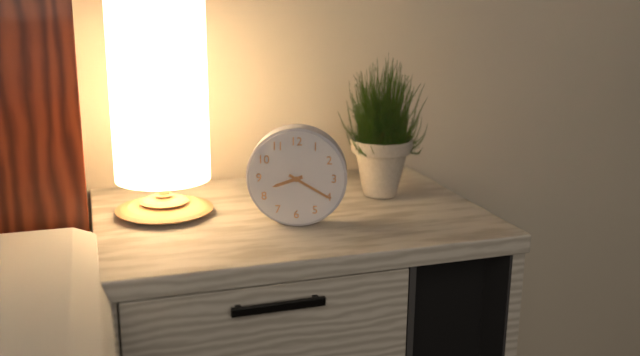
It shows {"hour": 8, "minute": 20}
